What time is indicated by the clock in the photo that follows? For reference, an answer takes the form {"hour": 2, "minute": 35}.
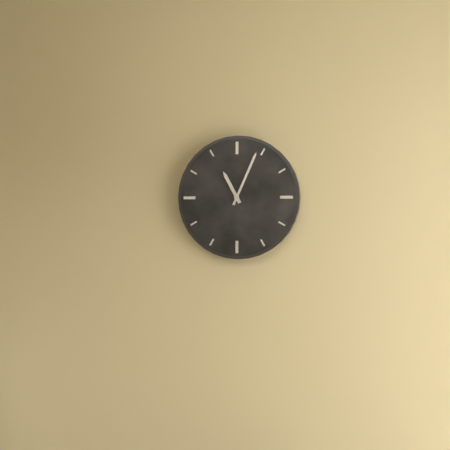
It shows {"hour": 11, "minute": 4}
